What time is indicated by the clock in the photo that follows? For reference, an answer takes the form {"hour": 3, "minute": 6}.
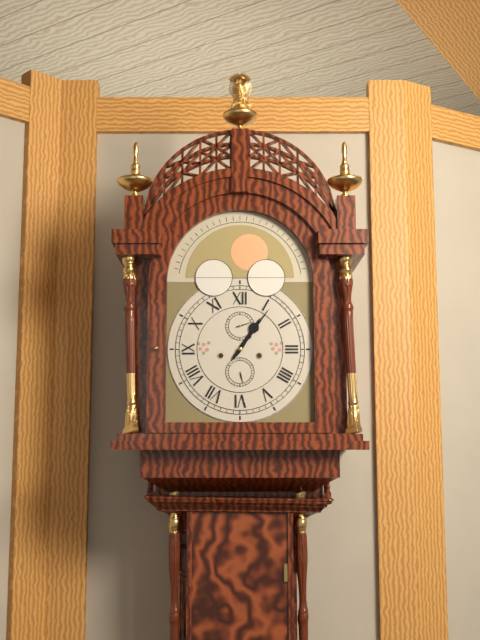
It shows {"hour": 1, "minute": 6}
